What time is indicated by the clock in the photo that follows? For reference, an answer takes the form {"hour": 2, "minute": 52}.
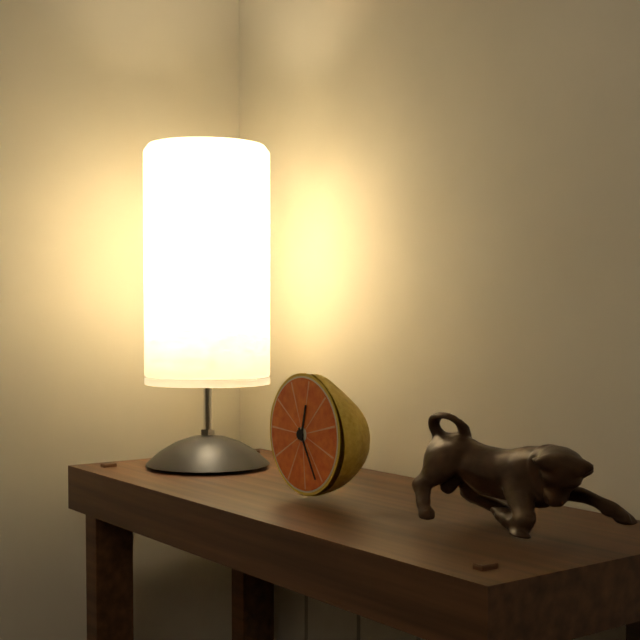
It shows {"hour": 12, "minute": 25}
